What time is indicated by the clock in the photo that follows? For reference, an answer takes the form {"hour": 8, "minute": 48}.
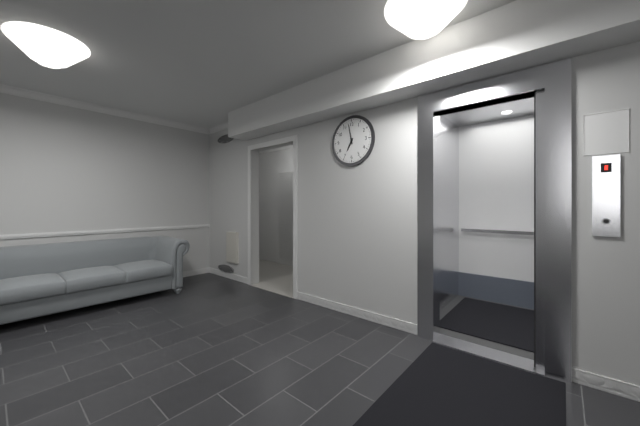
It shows {"hour": 6, "minute": 58}
